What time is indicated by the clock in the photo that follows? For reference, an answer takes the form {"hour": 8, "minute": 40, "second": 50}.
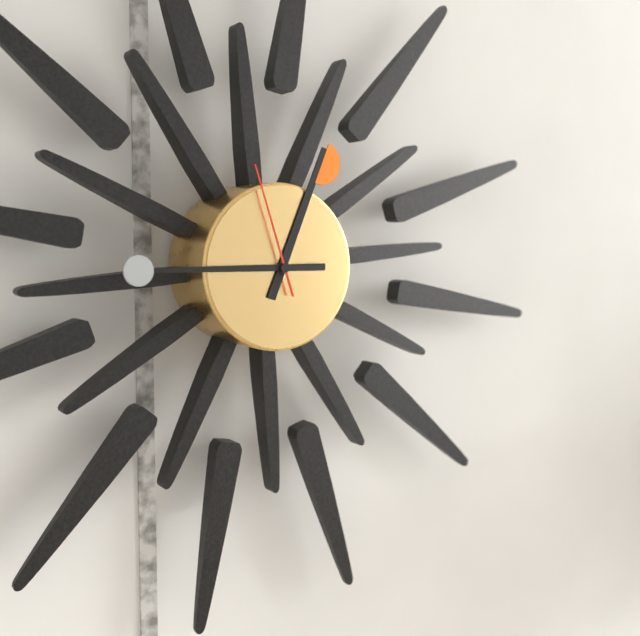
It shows {"hour": 12, "minute": 45, "second": 57}
